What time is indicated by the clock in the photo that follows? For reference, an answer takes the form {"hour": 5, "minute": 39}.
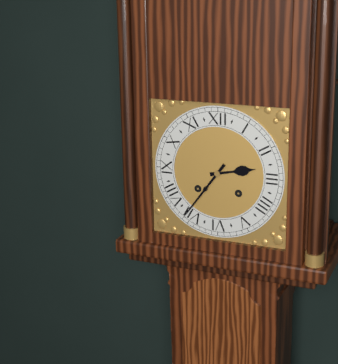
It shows {"hour": 2, "minute": 36}
